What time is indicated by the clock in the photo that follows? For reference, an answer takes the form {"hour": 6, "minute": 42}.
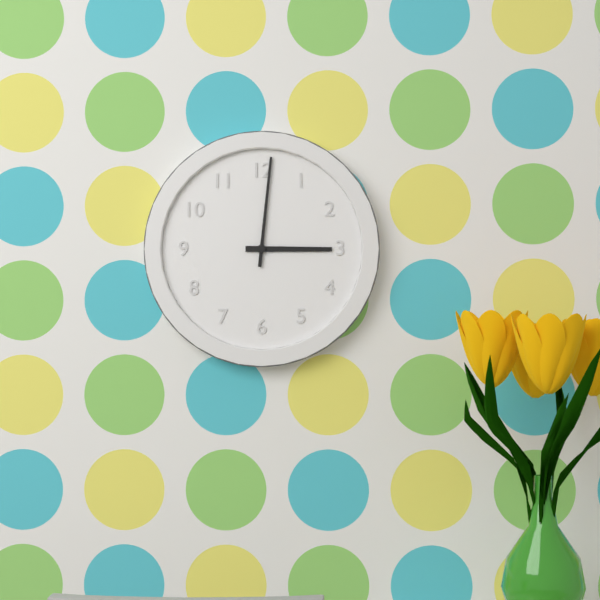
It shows {"hour": 3, "minute": 1}
